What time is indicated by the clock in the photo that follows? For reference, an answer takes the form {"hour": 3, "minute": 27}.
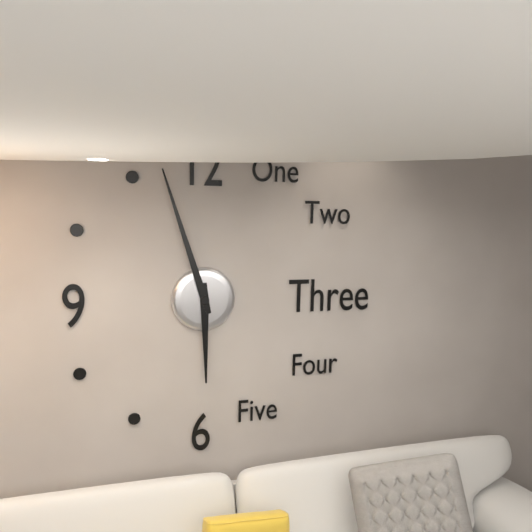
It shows {"hour": 5, "minute": 57}
